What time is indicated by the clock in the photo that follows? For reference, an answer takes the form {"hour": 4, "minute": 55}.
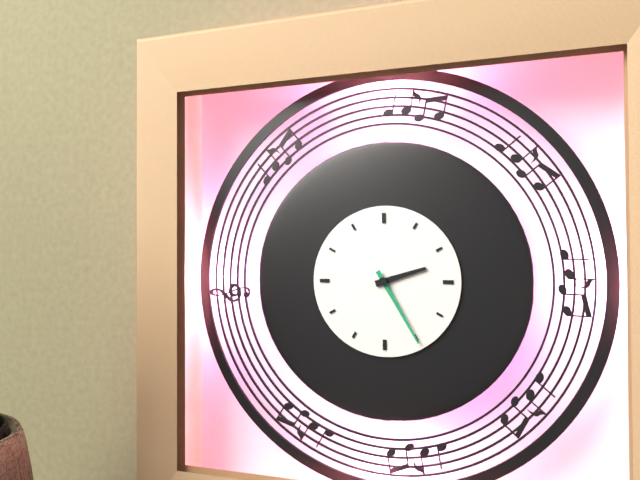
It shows {"hour": 2, "minute": 25}
